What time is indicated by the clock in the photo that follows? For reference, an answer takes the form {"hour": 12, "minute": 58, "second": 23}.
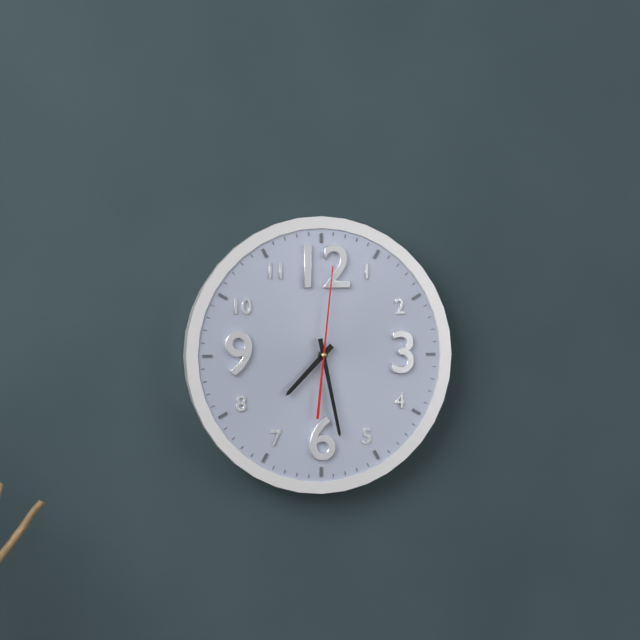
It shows {"hour": 7, "minute": 28, "second": 1}
